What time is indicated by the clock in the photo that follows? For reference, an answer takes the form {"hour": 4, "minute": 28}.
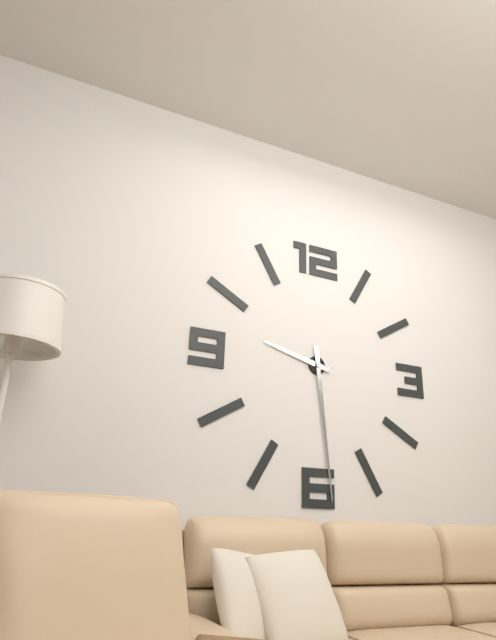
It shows {"hour": 9, "minute": 29}
